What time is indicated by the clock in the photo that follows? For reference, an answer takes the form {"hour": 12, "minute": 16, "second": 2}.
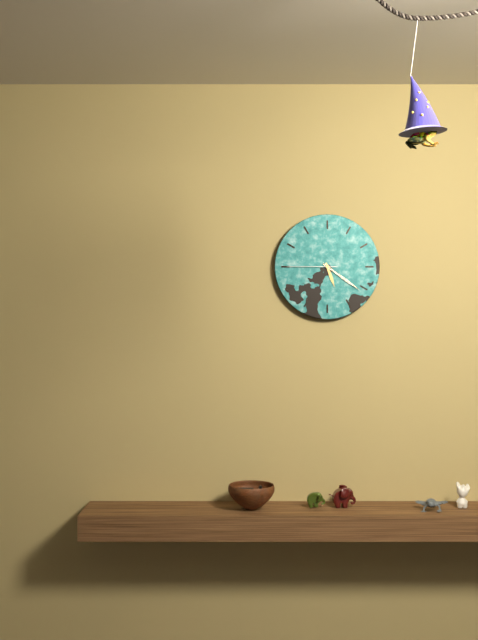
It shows {"hour": 5, "minute": 21, "second": 45}
